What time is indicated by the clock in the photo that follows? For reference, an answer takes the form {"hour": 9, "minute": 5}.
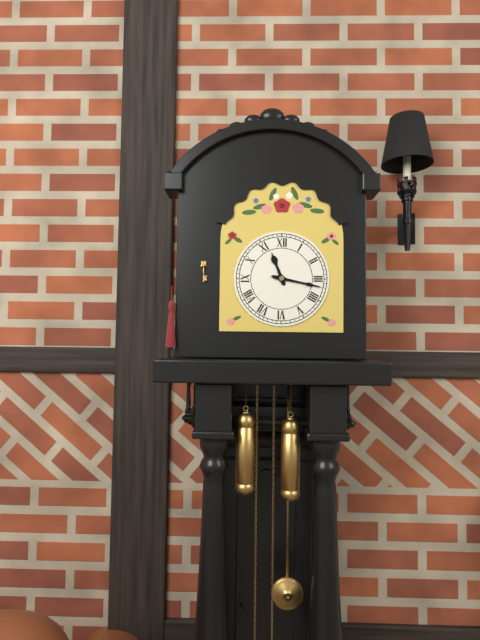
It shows {"hour": 11, "minute": 17}
